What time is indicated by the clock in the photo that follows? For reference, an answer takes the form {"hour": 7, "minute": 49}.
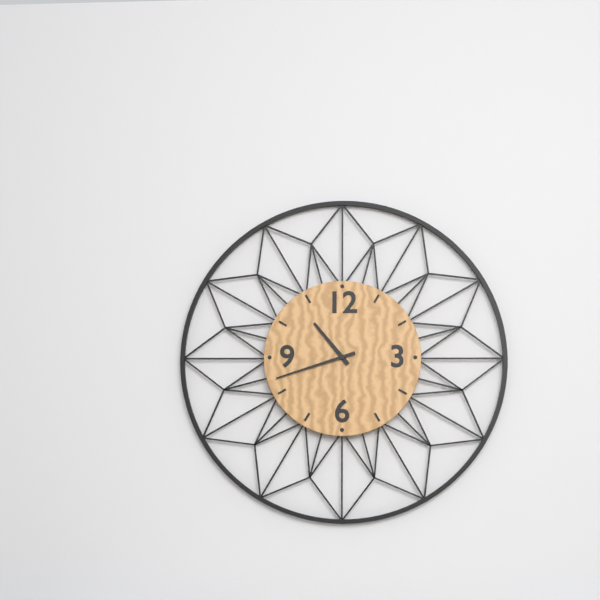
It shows {"hour": 10, "minute": 42}
